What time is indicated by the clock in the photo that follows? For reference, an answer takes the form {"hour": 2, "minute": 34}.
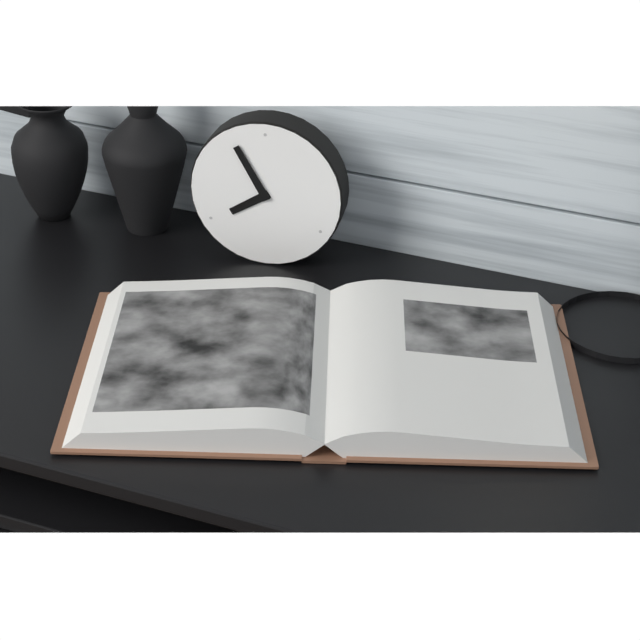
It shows {"hour": 7, "minute": 55}
